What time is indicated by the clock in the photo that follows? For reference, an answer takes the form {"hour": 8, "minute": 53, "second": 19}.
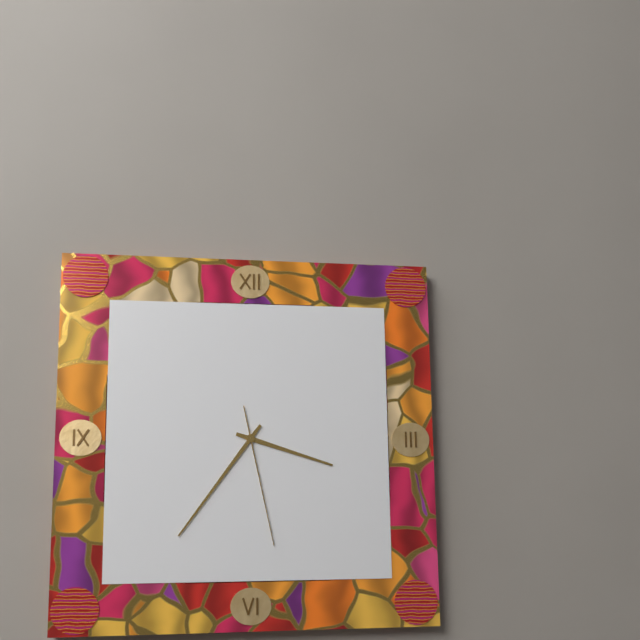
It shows {"hour": 3, "minute": 36, "second": 28}
